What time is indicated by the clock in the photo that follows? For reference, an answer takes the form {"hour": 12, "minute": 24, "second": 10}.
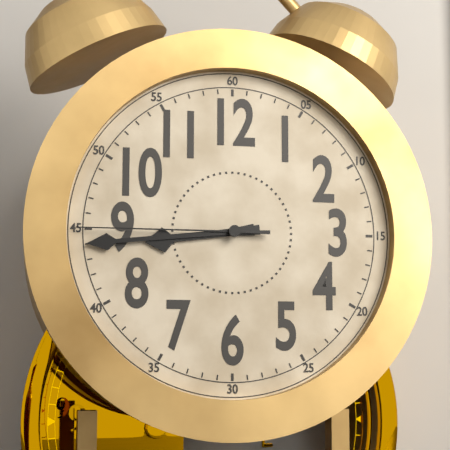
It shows {"hour": 8, "minute": 44, "second": 45}
